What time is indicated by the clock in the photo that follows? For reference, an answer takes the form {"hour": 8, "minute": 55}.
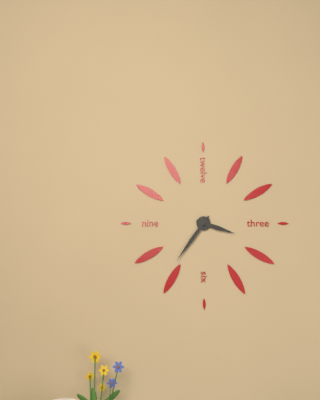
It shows {"hour": 3, "minute": 36}
